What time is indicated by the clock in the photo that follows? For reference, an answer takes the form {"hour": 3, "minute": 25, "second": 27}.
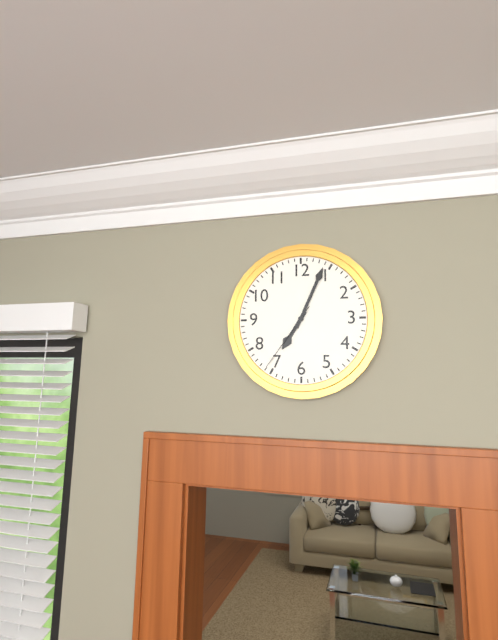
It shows {"hour": 7, "minute": 4, "second": 36}
